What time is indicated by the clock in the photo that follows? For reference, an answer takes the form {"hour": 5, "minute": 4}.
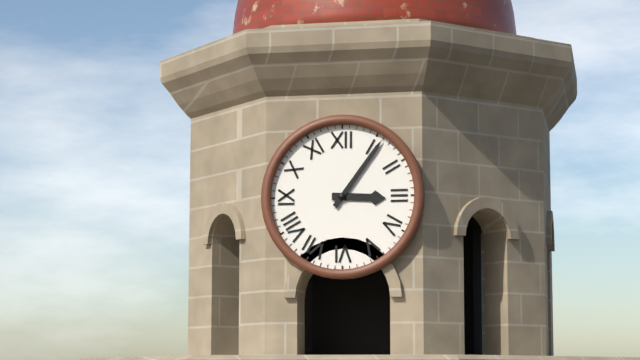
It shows {"hour": 3, "minute": 6}
